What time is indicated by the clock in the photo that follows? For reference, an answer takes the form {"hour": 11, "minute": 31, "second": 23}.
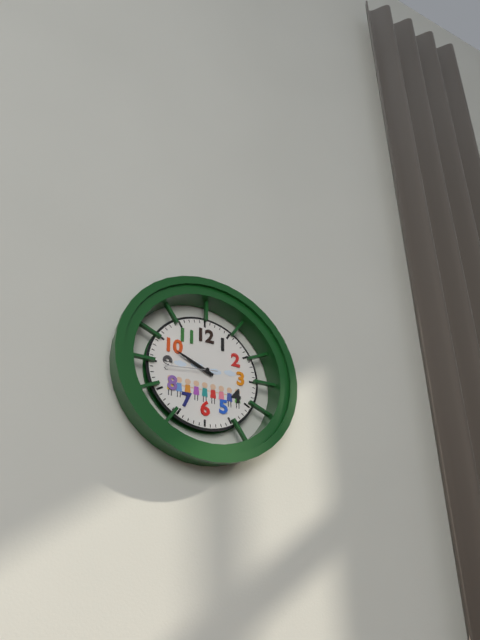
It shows {"hour": 9, "minute": 49, "second": 44}
